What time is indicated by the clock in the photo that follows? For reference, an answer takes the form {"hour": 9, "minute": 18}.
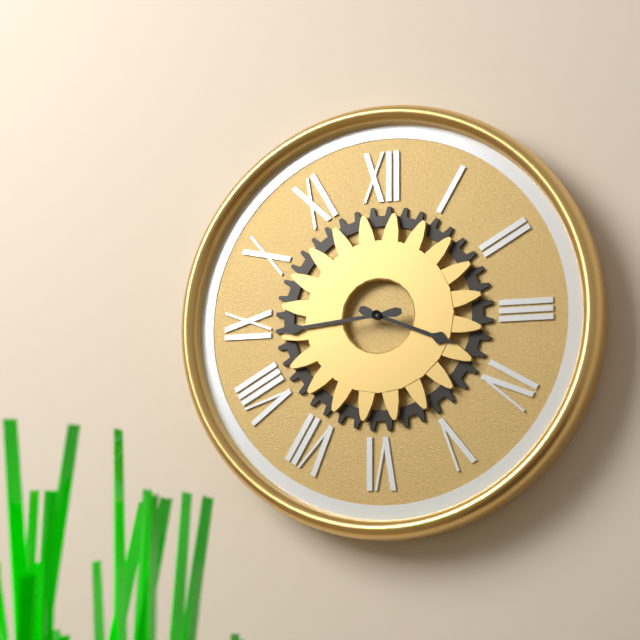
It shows {"hour": 3, "minute": 44}
